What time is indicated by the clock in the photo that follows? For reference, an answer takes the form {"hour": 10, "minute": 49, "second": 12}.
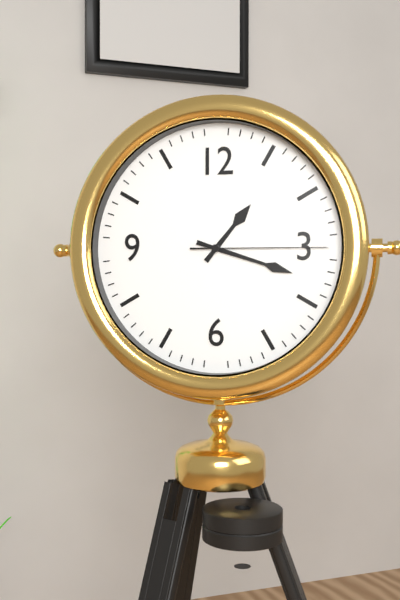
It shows {"hour": 1, "minute": 18, "second": 15}
